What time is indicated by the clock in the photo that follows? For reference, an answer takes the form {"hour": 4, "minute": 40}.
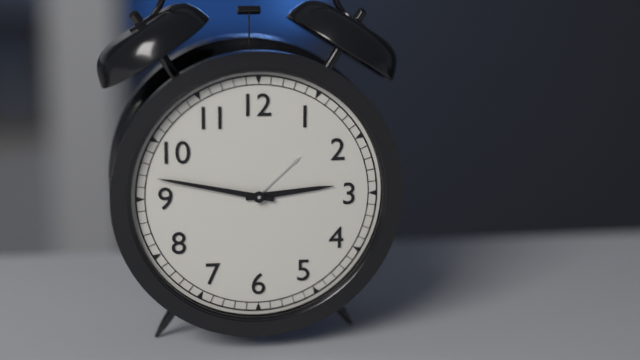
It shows {"hour": 2, "minute": 47}
